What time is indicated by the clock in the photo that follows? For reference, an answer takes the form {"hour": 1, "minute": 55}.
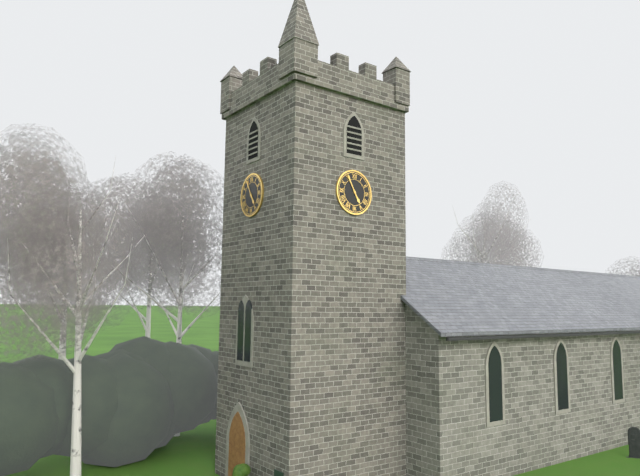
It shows {"hour": 4, "minute": 55}
